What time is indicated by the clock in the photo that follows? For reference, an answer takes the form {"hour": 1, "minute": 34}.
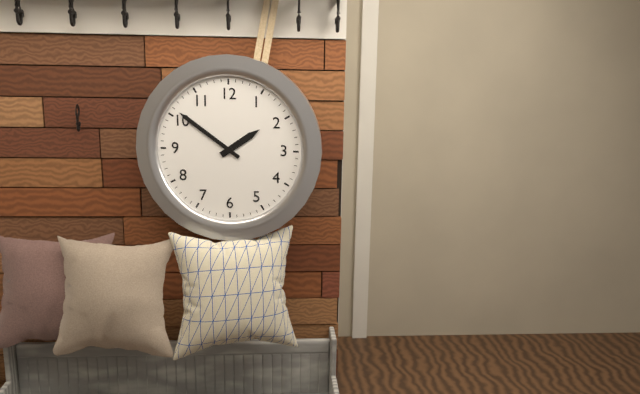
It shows {"hour": 1, "minute": 51}
